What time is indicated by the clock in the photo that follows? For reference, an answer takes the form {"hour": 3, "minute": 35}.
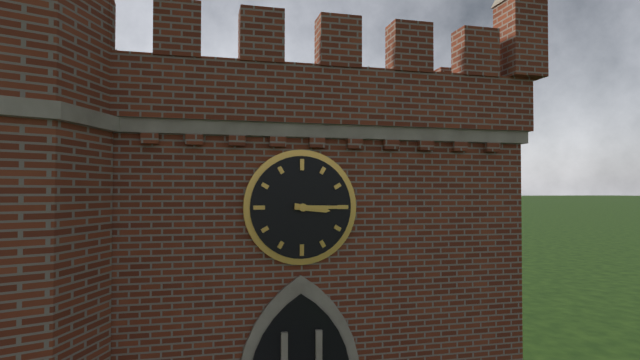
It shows {"hour": 3, "minute": 15}
